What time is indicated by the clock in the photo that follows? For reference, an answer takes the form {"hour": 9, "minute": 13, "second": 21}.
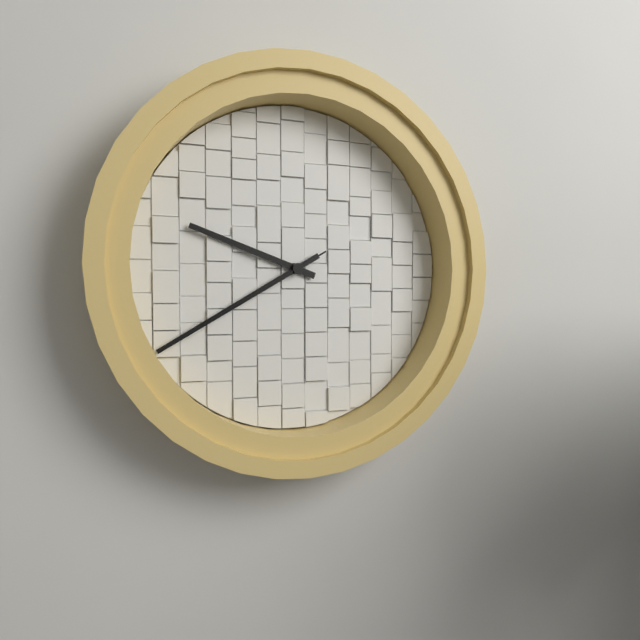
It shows {"hour": 9, "minute": 40, "second": 40}
